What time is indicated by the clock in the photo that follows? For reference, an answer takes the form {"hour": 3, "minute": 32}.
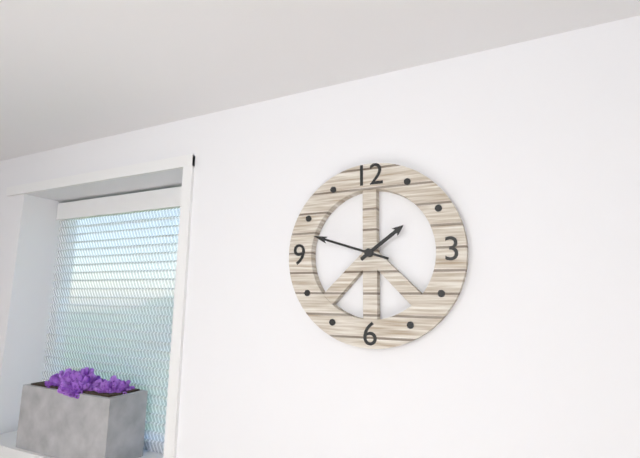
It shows {"hour": 1, "minute": 48}
